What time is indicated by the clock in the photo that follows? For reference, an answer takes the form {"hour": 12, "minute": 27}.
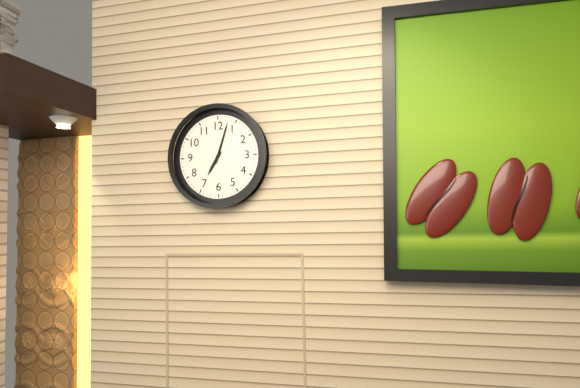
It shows {"hour": 7, "minute": 3}
